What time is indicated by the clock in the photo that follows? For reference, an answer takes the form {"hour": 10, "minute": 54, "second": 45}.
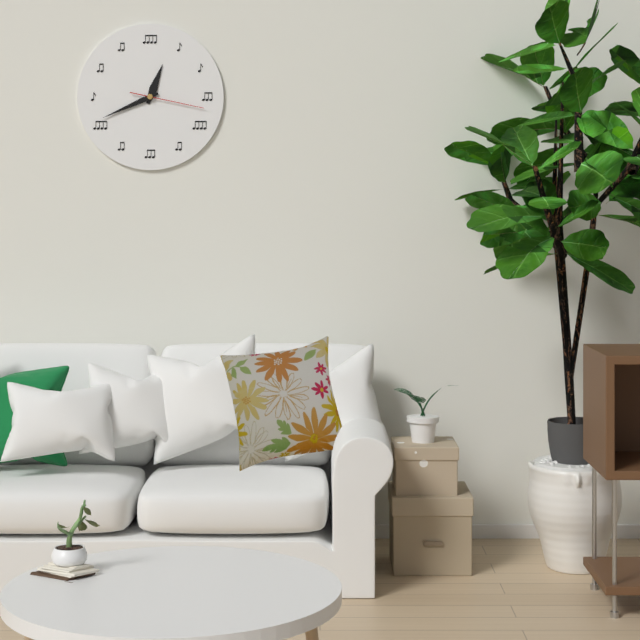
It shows {"hour": 12, "minute": 41, "second": 17}
